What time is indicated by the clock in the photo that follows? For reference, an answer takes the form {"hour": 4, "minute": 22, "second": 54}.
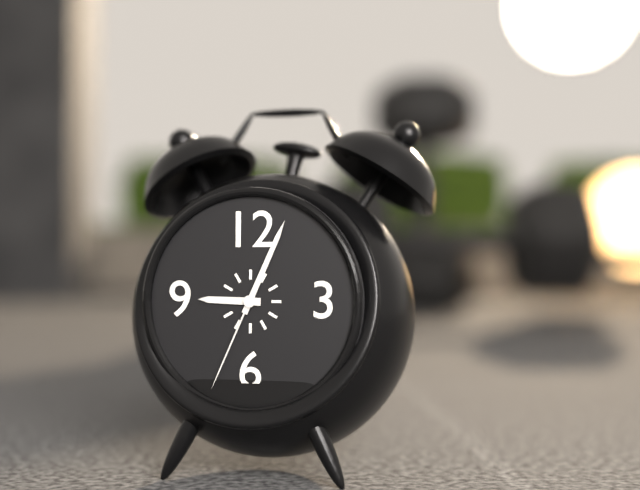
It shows {"hour": 9, "minute": 4, "second": 34}
